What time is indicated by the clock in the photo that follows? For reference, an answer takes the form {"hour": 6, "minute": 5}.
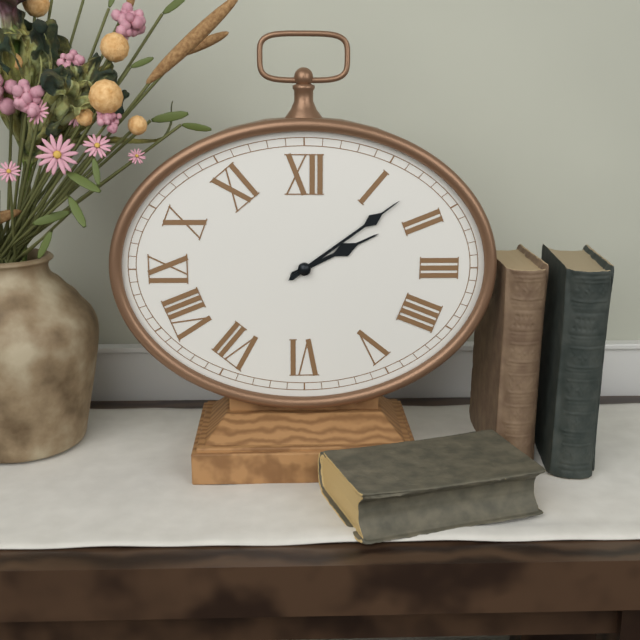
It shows {"hour": 2, "minute": 9}
